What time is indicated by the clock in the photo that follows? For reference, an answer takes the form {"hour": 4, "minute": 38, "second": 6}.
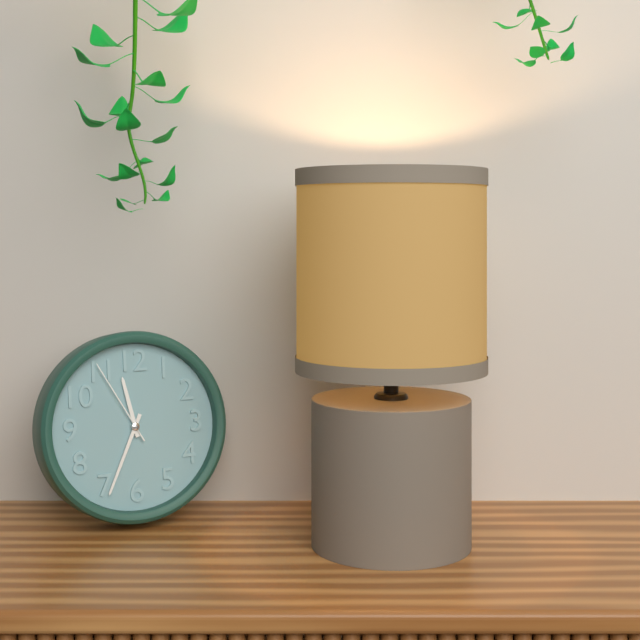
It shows {"hour": 11, "minute": 34, "second": 55}
